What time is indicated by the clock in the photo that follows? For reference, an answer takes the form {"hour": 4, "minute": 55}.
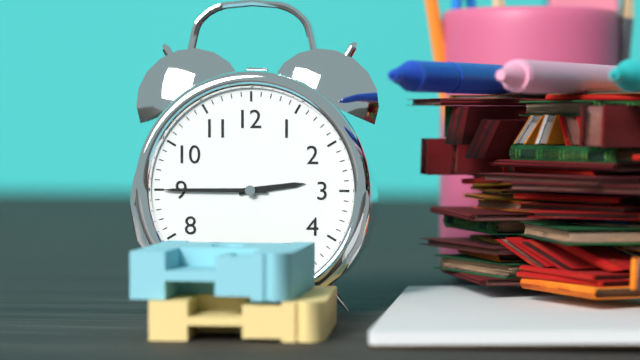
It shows {"hour": 2, "minute": 45}
